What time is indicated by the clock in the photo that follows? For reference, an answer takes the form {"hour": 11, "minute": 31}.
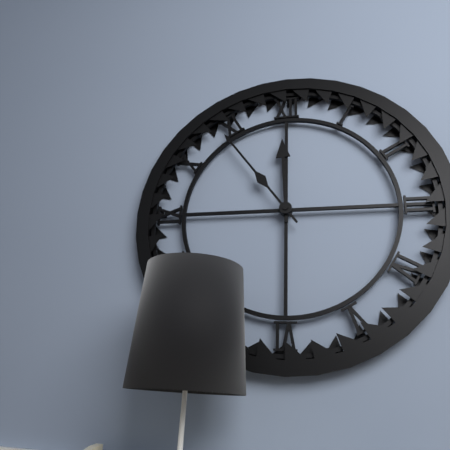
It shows {"hour": 11, "minute": 54}
